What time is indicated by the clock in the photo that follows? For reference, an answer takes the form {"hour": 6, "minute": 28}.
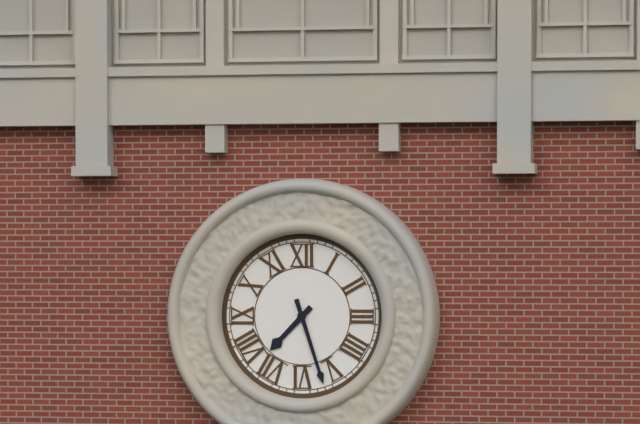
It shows {"hour": 7, "minute": 27}
